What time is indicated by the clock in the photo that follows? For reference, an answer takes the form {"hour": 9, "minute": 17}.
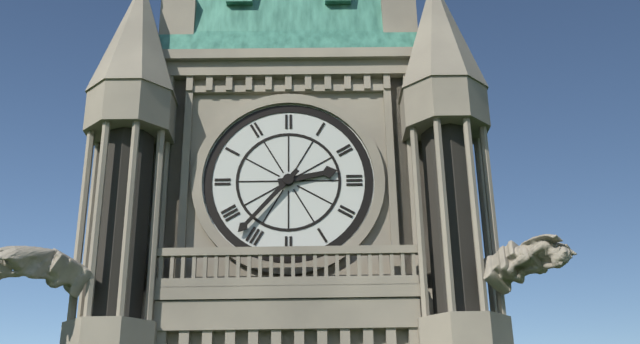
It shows {"hour": 2, "minute": 37}
